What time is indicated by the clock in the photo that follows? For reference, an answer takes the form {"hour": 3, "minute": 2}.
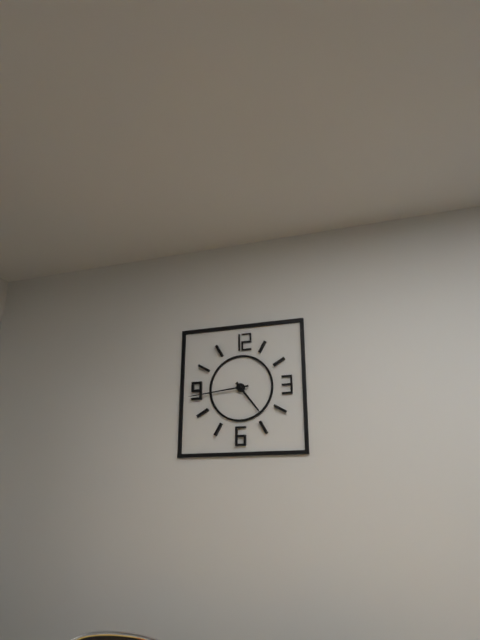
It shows {"hour": 4, "minute": 44}
